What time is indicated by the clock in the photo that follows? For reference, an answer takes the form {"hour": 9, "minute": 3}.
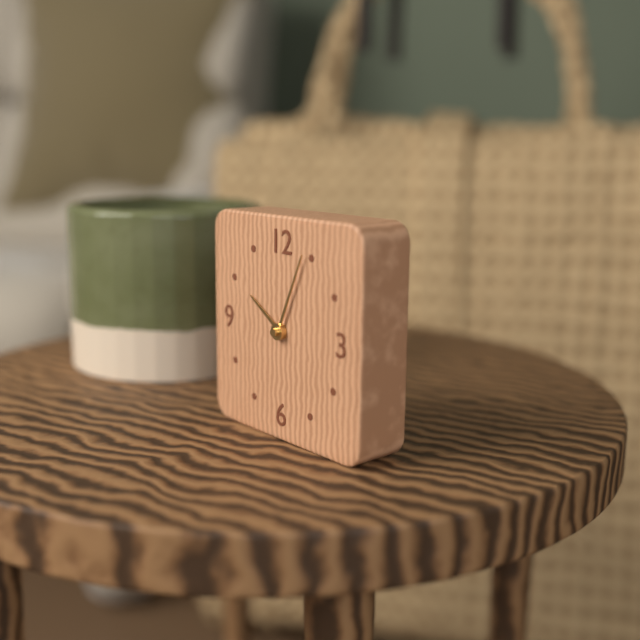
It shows {"hour": 10, "minute": 4}
